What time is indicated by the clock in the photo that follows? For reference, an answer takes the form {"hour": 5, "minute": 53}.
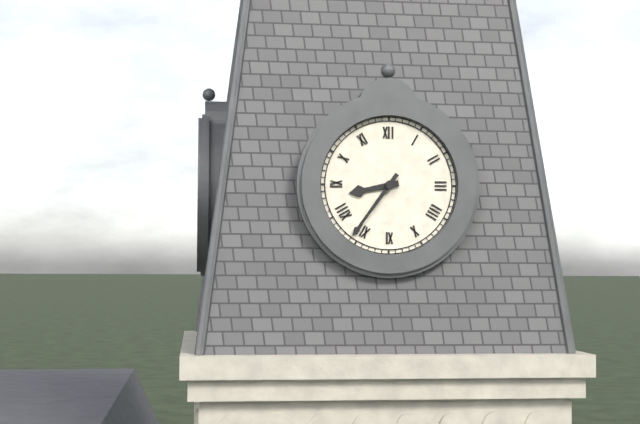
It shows {"hour": 8, "minute": 36}
